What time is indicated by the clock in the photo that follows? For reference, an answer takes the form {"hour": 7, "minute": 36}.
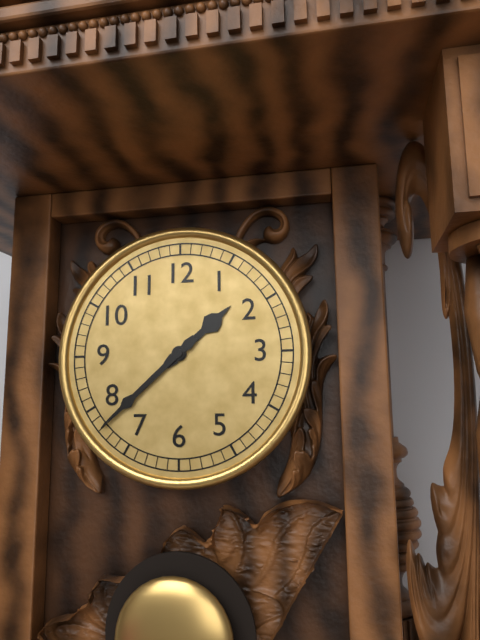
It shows {"hour": 1, "minute": 38}
